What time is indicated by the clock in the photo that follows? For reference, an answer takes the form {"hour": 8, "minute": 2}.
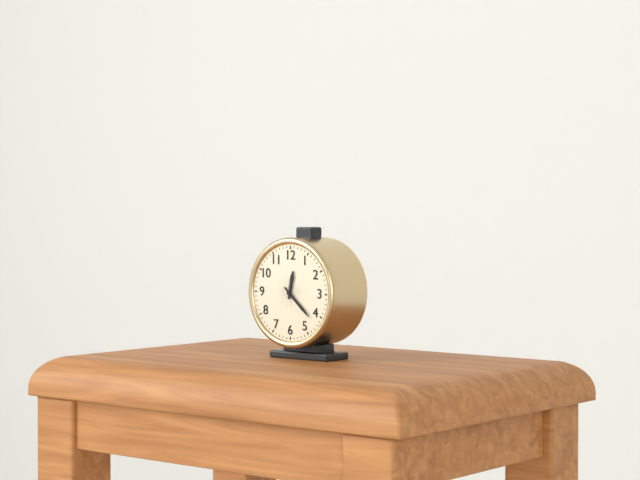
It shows {"hour": 12, "minute": 22}
